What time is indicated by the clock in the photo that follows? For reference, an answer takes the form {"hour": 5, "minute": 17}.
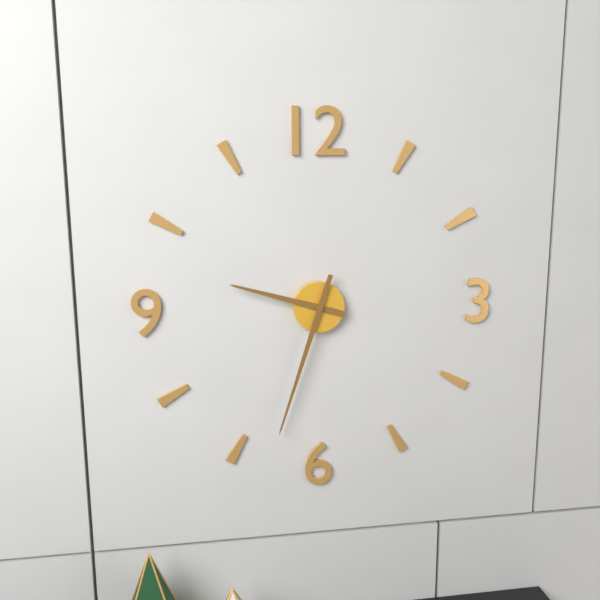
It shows {"hour": 9, "minute": 33}
